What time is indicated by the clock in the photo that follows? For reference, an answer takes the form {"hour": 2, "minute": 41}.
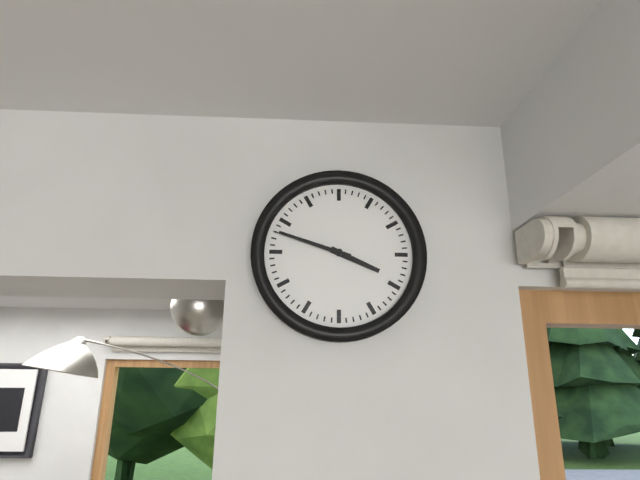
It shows {"hour": 3, "minute": 48}
